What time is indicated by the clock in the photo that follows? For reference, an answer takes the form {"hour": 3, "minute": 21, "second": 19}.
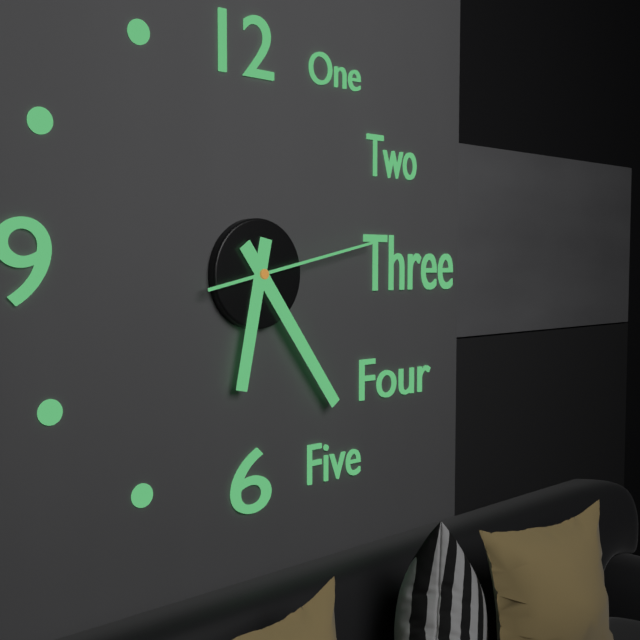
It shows {"hour": 6, "minute": 24, "second": 13}
